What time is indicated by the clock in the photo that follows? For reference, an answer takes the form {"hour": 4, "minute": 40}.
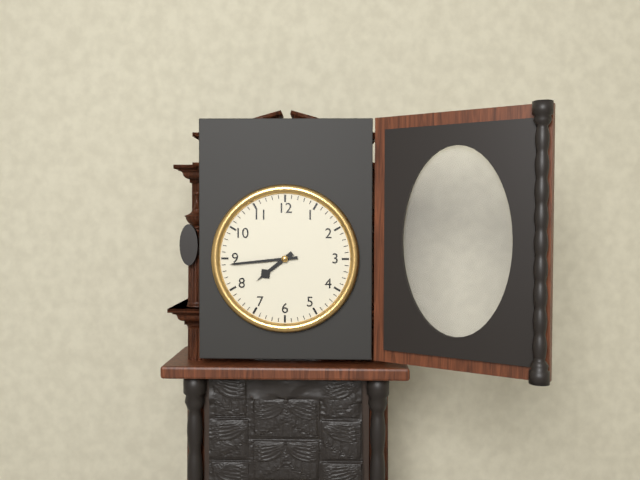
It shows {"hour": 7, "minute": 44}
